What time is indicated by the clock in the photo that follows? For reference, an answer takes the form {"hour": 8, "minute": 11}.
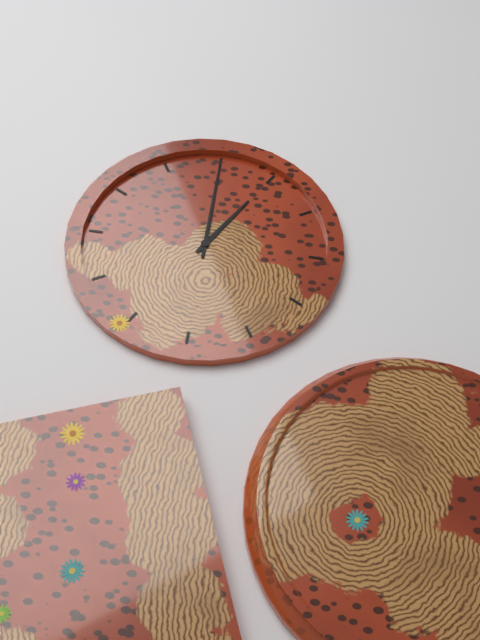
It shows {"hour": 1, "minute": 0}
